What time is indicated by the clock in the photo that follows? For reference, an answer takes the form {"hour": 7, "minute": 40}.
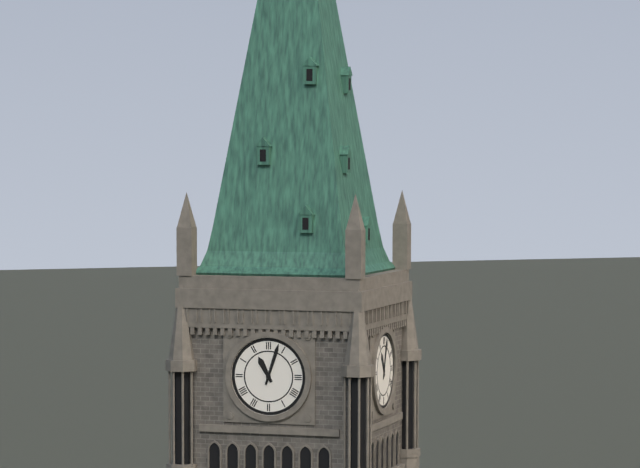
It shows {"hour": 11, "minute": 3}
